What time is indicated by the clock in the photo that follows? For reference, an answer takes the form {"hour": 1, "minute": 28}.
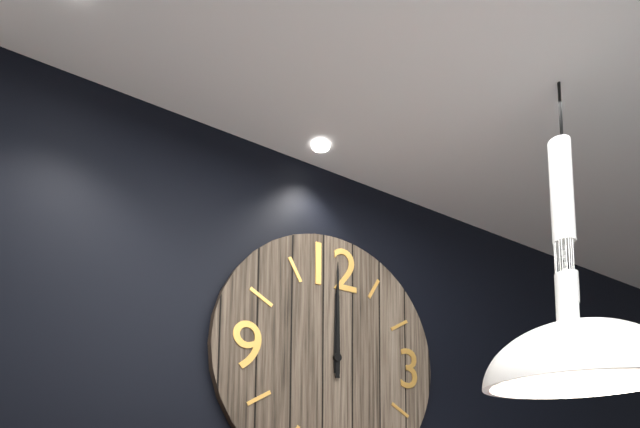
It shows {"hour": 12, "minute": 0}
